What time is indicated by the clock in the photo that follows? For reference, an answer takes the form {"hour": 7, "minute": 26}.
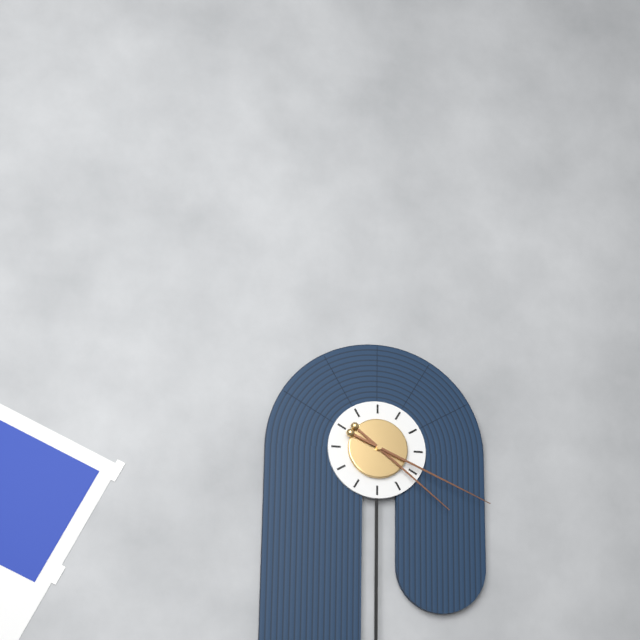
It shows {"hour": 4, "minute": 19}
